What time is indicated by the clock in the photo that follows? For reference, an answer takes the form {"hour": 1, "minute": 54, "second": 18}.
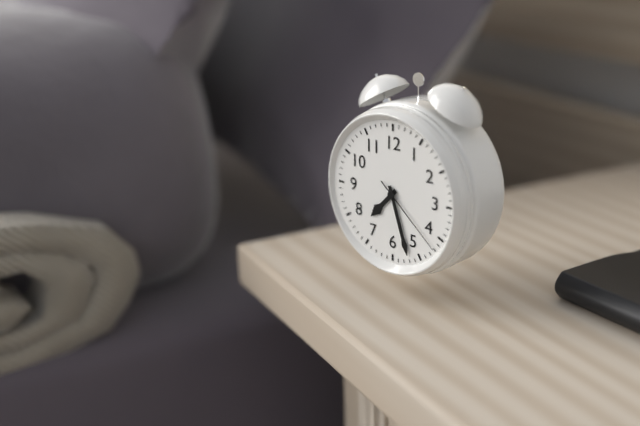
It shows {"hour": 7, "minute": 27, "second": 22}
